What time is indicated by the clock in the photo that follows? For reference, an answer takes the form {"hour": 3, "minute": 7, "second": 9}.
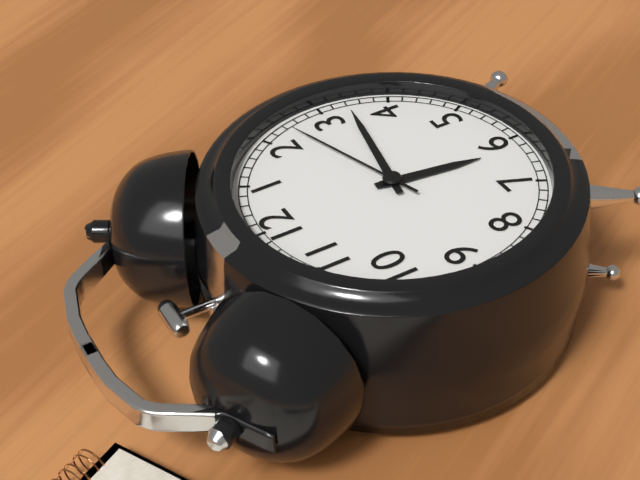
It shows {"hour": 6, "minute": 17, "second": 12}
